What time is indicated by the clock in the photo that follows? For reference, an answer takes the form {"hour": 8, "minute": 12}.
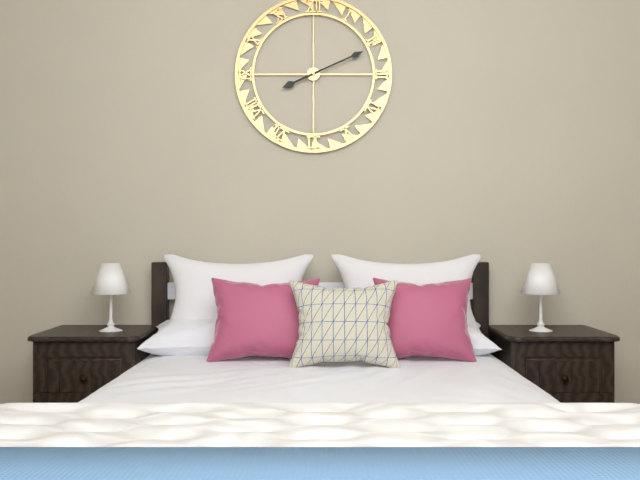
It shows {"hour": 8, "minute": 11}
